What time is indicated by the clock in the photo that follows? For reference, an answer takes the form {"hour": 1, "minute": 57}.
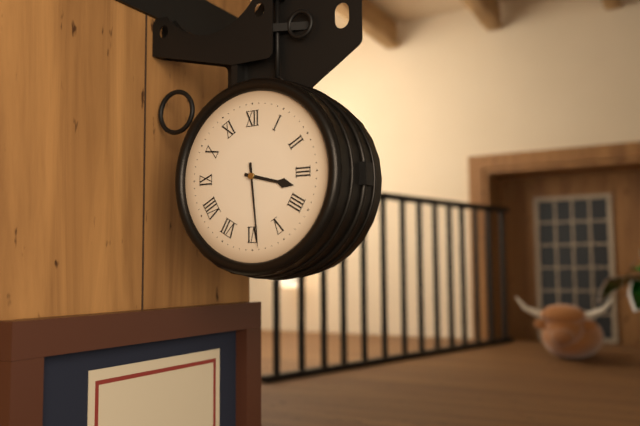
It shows {"hour": 3, "minute": 29}
